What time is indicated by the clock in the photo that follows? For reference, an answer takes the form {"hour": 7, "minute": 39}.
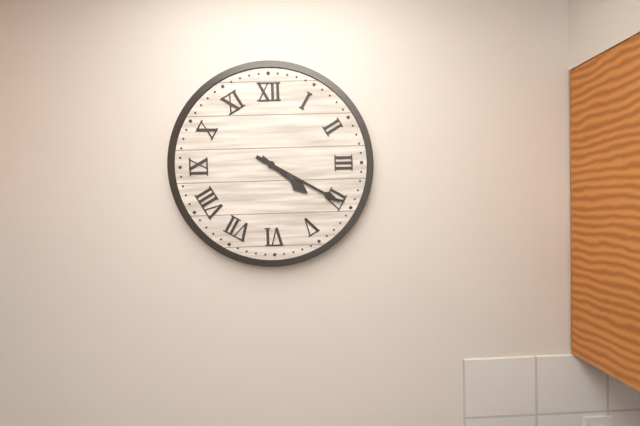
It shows {"hour": 4, "minute": 20}
